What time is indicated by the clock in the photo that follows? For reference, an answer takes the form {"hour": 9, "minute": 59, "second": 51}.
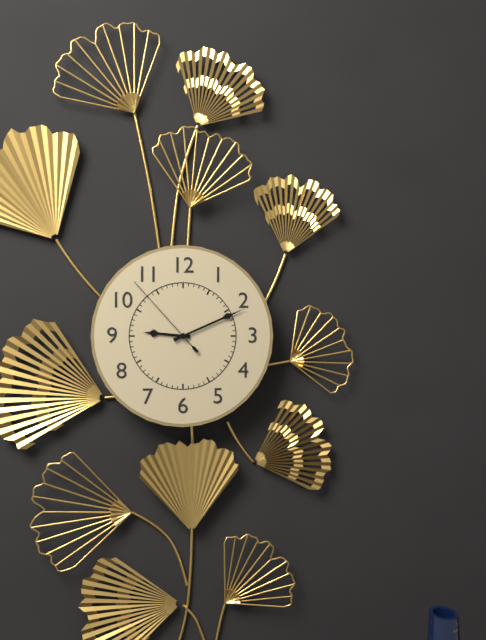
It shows {"hour": 9, "minute": 11, "second": 53}
